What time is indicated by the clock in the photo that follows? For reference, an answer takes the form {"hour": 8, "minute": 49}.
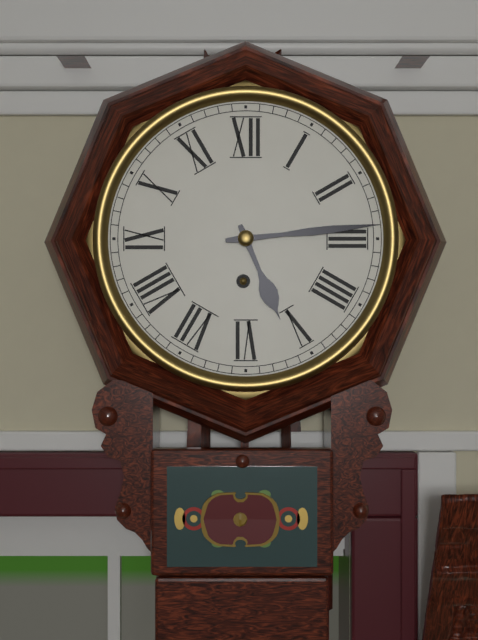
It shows {"hour": 5, "minute": 14}
